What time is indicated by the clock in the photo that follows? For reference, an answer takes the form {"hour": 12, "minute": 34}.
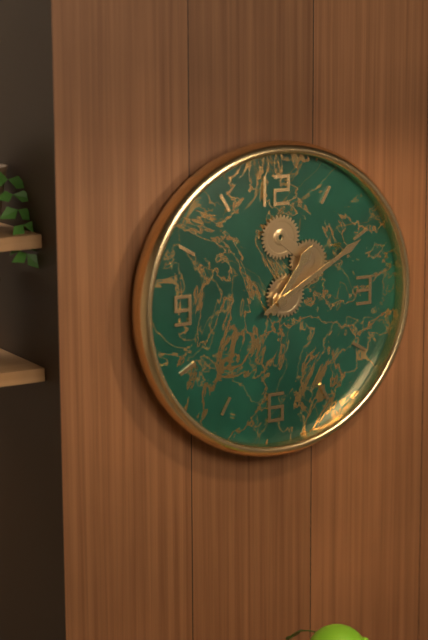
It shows {"hour": 1, "minute": 10}
